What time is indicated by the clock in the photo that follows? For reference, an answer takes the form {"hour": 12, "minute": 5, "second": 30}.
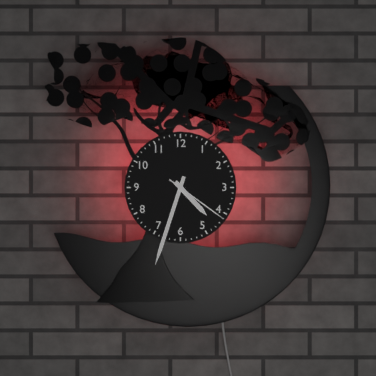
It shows {"hour": 4, "minute": 33, "second": 21}
